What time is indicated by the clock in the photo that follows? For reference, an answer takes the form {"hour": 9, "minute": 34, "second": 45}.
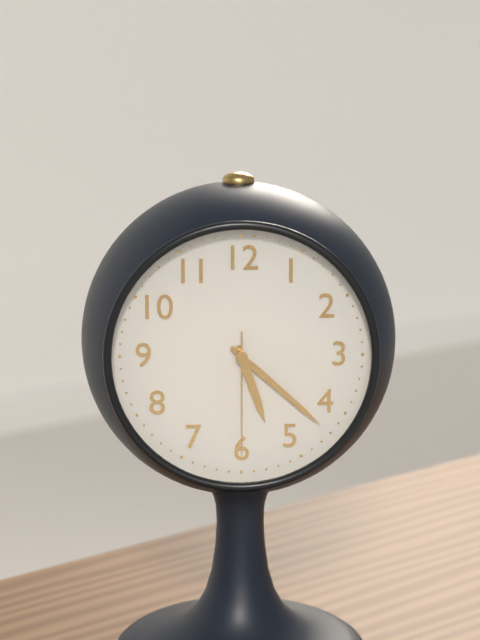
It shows {"hour": 5, "minute": 22, "second": 30}
